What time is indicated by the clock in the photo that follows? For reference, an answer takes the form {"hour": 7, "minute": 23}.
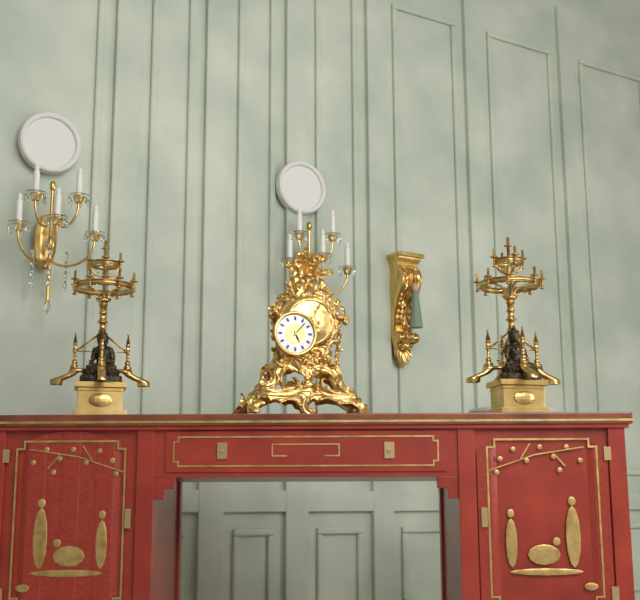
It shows {"hour": 5, "minute": 7}
